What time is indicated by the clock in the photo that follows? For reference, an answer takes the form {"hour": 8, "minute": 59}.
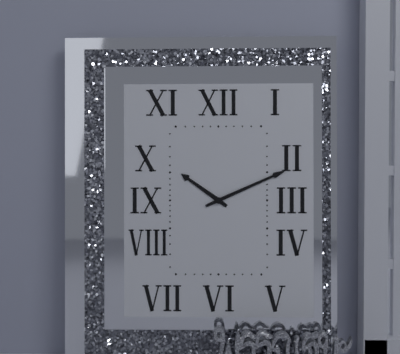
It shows {"hour": 10, "minute": 11}
